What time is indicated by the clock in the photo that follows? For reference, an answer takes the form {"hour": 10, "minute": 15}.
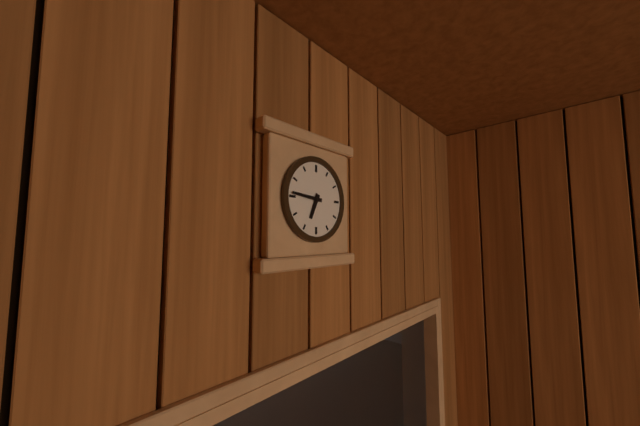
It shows {"hour": 6, "minute": 46}
